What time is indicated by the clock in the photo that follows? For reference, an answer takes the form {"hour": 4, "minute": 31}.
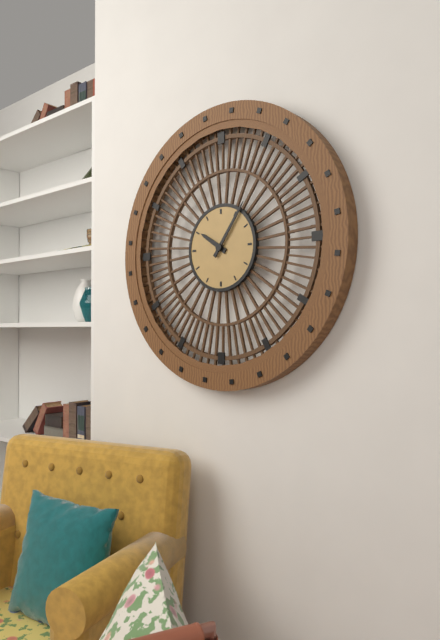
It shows {"hour": 10, "minute": 6}
